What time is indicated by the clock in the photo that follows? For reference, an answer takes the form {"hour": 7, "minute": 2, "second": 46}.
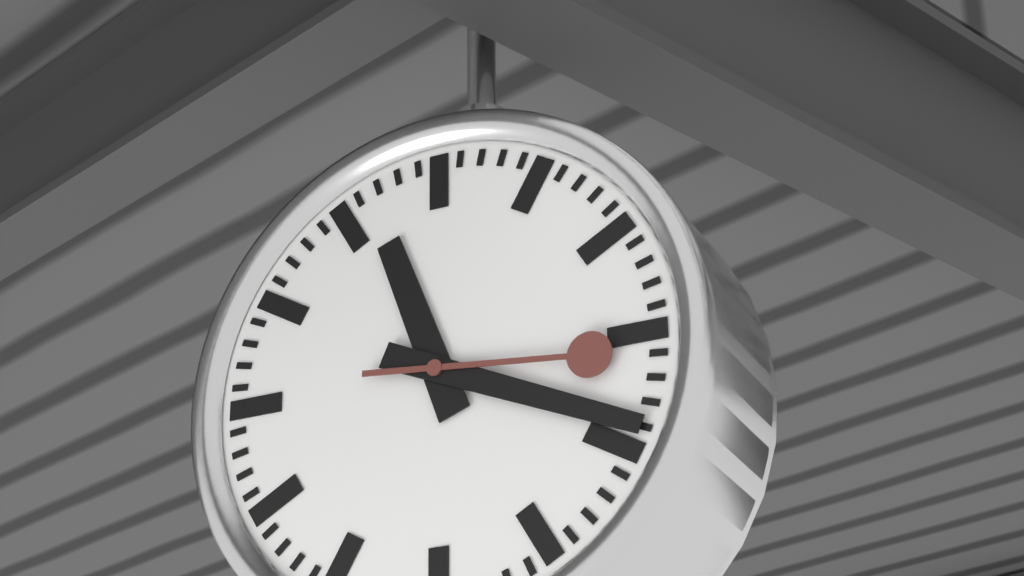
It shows {"hour": 11, "minute": 19, "second": 16}
